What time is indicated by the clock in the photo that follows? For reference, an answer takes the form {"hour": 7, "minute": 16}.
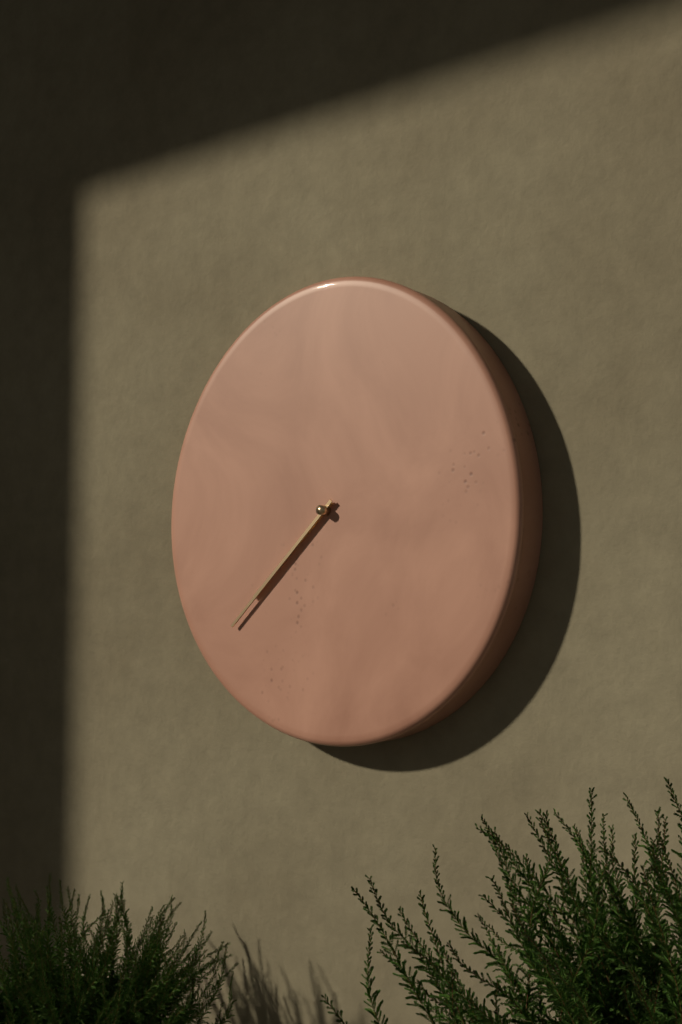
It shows {"hour": 7, "minute": 38}
